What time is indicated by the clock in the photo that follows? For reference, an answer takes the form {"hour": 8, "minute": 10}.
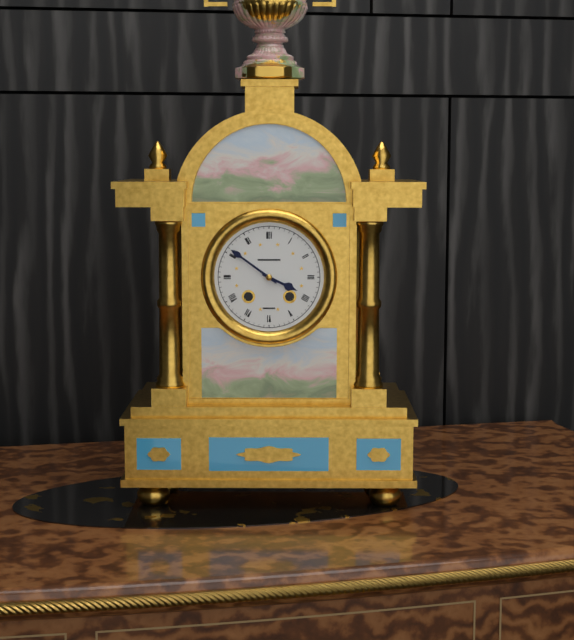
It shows {"hour": 3, "minute": 51}
